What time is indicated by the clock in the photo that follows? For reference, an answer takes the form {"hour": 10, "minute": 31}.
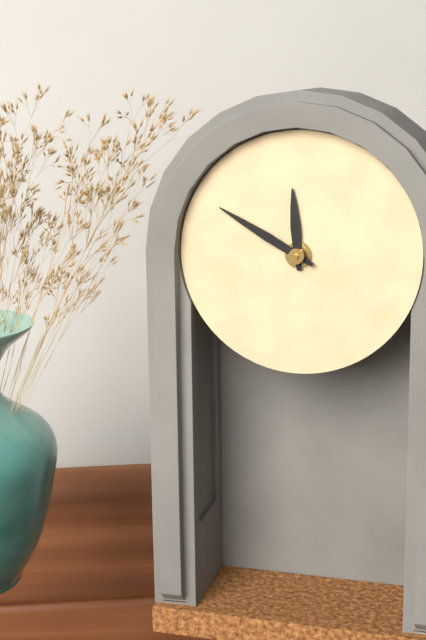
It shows {"hour": 11, "minute": 50}
